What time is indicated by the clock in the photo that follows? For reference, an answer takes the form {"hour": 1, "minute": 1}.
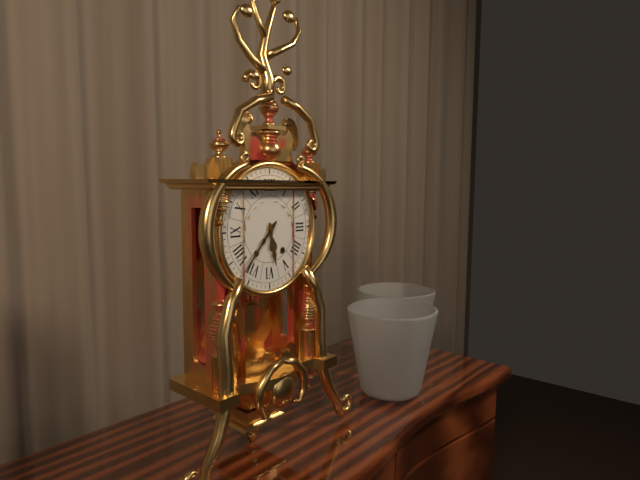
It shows {"hour": 5, "minute": 37}
